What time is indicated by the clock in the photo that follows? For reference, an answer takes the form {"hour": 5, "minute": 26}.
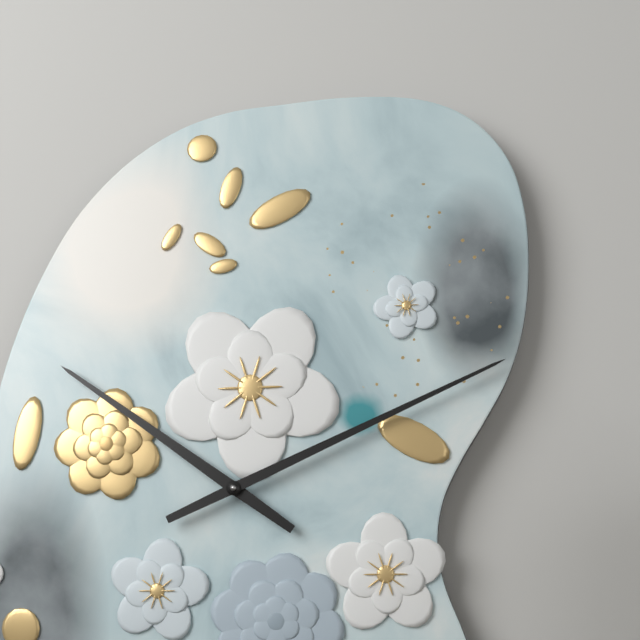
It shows {"hour": 10, "minute": 11}
